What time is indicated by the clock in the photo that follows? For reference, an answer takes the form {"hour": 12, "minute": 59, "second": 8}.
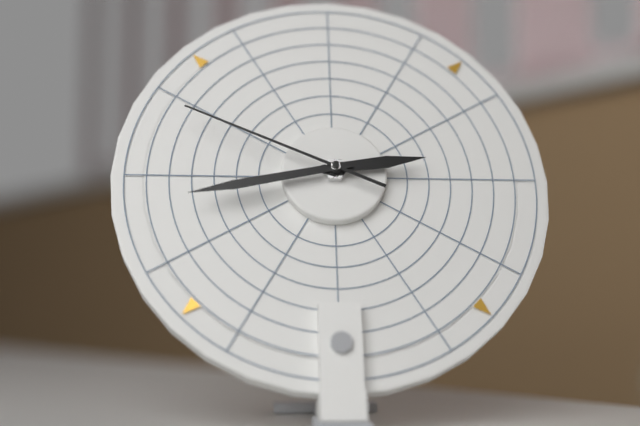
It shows {"hour": 2, "minute": 43, "second": 49}
